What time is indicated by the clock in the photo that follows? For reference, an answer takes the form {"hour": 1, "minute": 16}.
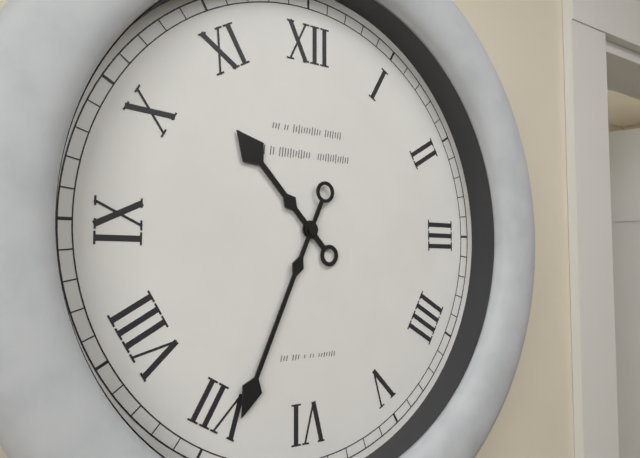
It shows {"hour": 10, "minute": 34}
